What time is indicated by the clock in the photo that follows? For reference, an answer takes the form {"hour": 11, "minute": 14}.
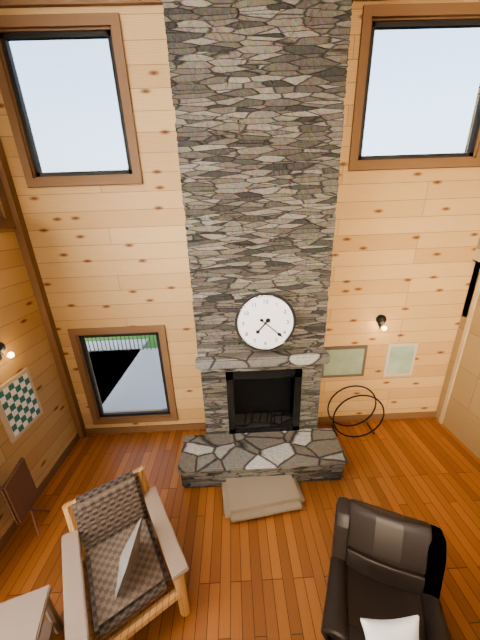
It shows {"hour": 7, "minute": 22}
